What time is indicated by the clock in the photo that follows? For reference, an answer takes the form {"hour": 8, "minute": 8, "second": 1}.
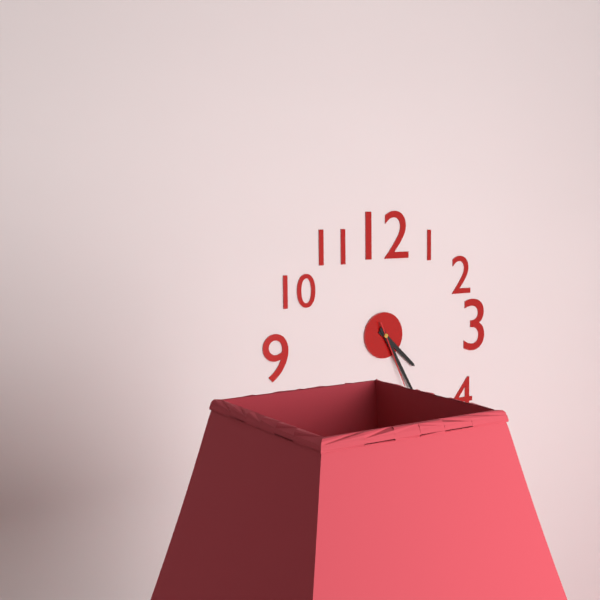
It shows {"hour": 4, "minute": 25, "second": 26}
